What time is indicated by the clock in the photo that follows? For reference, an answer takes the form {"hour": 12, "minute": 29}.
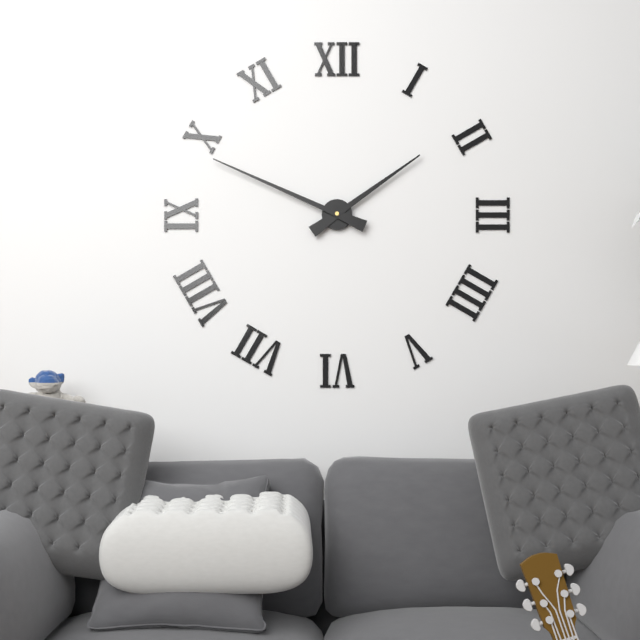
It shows {"hour": 1, "minute": 49}
